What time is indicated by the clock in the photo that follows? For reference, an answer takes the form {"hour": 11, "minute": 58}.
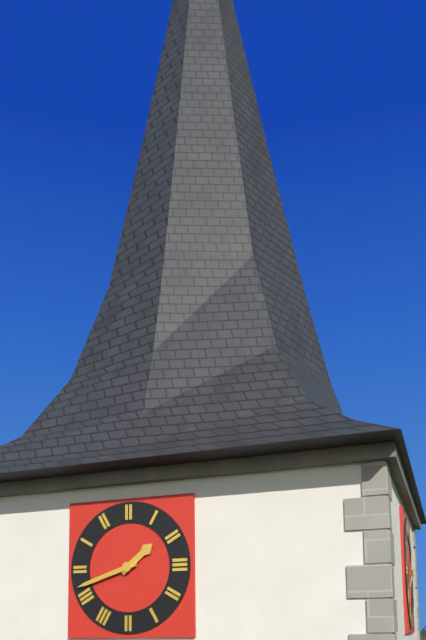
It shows {"hour": 1, "minute": 42}
